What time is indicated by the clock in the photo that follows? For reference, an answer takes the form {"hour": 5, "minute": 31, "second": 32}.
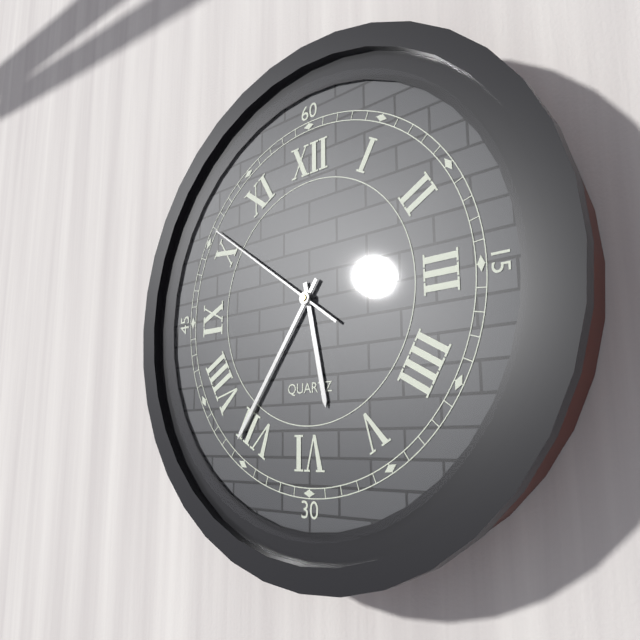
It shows {"hour": 5, "minute": 36, "second": 51}
